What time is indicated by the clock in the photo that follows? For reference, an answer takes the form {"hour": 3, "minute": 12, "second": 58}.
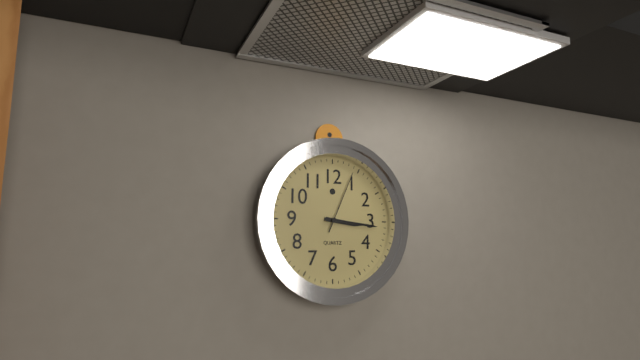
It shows {"hour": 3, "minute": 16, "second": 4}
